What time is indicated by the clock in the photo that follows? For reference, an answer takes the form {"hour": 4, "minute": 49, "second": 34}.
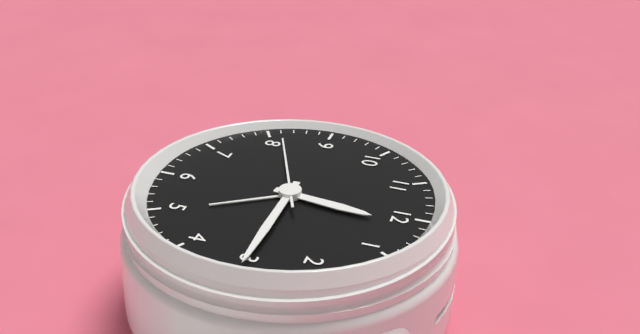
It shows {"hour": 12, "minute": 15, "second": 41}
